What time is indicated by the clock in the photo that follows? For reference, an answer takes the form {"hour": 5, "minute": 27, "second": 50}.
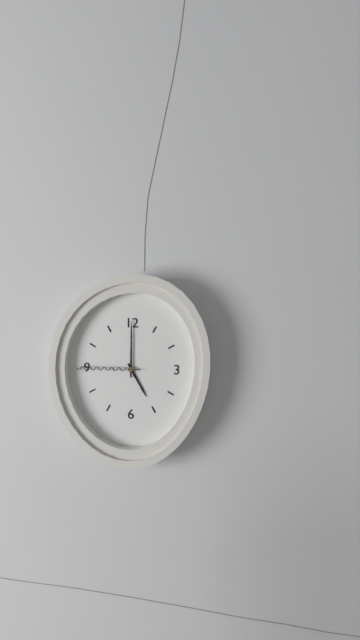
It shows {"hour": 5, "minute": 0, "second": 45}
